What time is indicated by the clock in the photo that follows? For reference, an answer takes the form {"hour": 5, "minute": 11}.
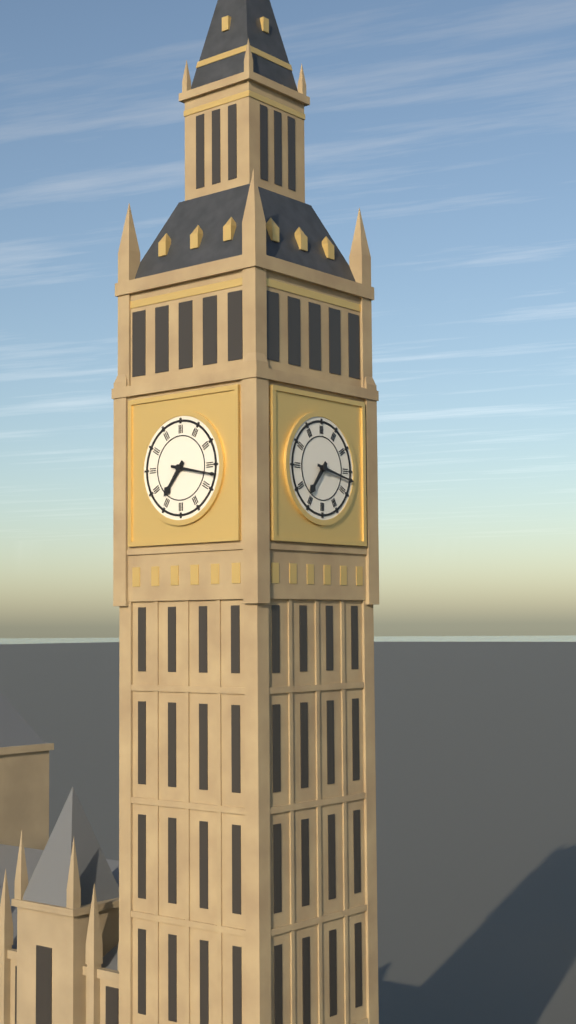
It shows {"hour": 7, "minute": 17}
